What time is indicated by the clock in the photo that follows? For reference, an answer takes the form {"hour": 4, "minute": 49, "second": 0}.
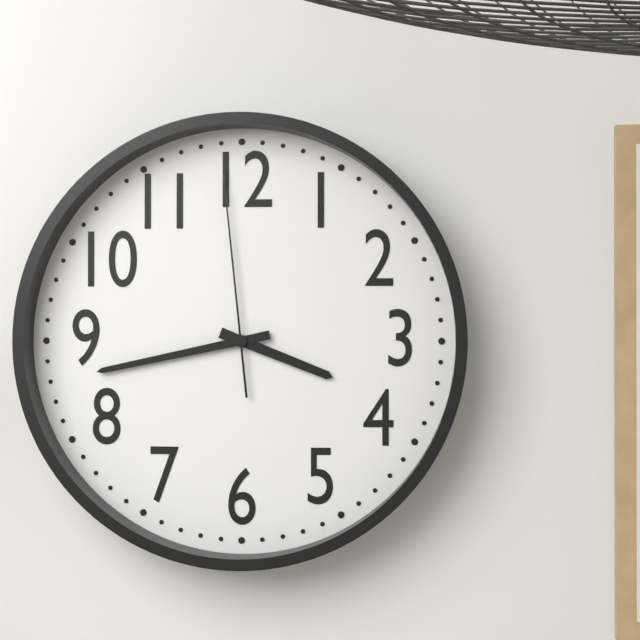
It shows {"hour": 3, "minute": 43, "second": 59}
